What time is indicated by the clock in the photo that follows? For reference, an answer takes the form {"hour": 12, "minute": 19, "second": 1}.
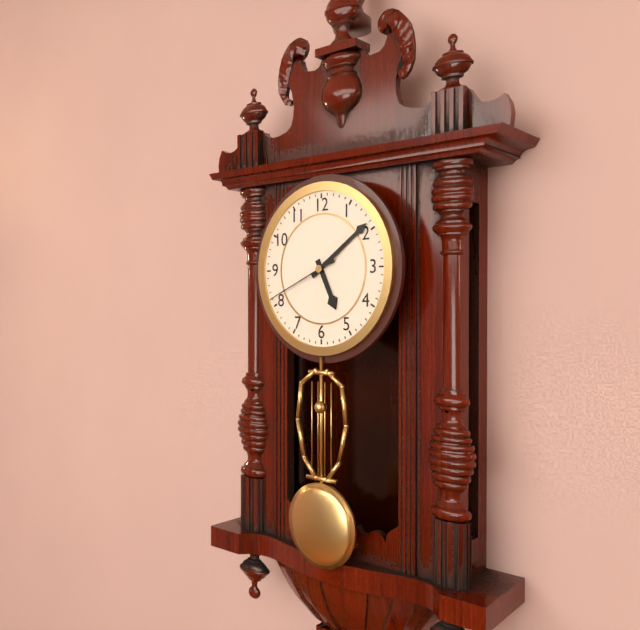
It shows {"hour": 5, "minute": 9, "second": 41}
